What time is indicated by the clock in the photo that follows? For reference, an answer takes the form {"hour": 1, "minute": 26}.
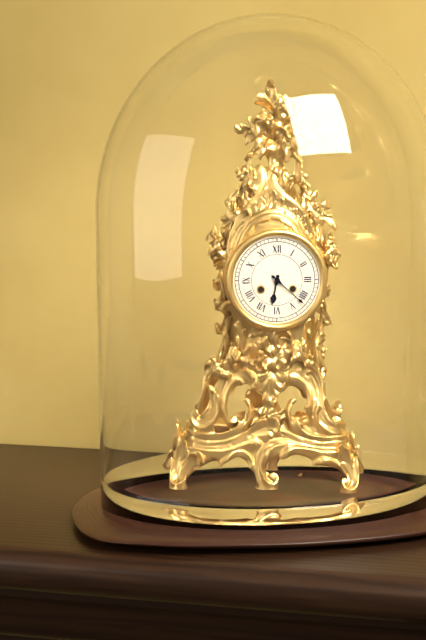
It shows {"hour": 6, "minute": 22}
